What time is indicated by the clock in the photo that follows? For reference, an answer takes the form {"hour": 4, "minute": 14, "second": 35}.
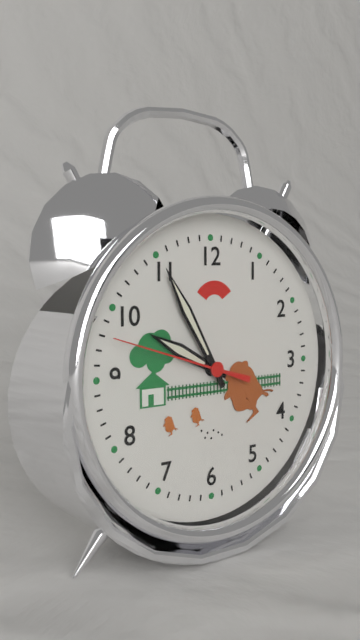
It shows {"hour": 9, "minute": 55, "second": 48}
